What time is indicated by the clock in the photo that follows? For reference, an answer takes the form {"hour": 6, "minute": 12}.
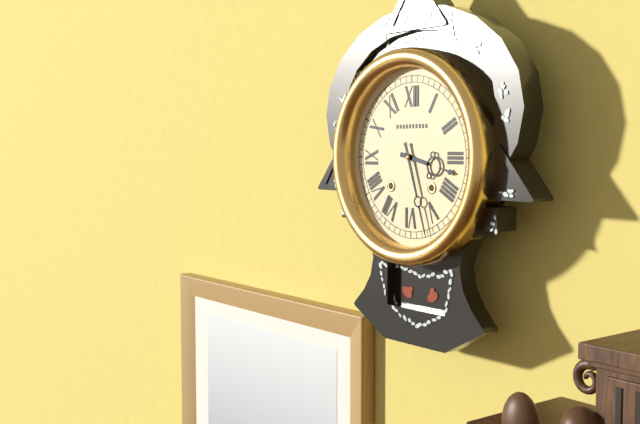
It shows {"hour": 3, "minute": 27}
